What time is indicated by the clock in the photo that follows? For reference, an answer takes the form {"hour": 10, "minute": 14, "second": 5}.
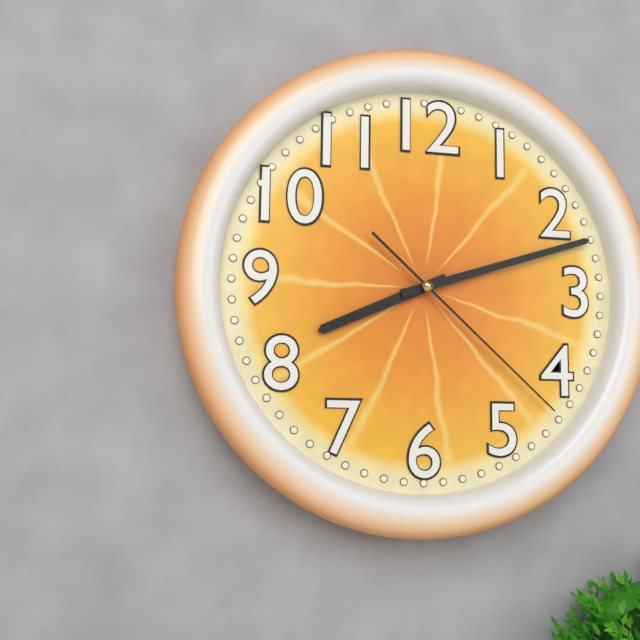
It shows {"hour": 8, "minute": 12, "second": 22}
